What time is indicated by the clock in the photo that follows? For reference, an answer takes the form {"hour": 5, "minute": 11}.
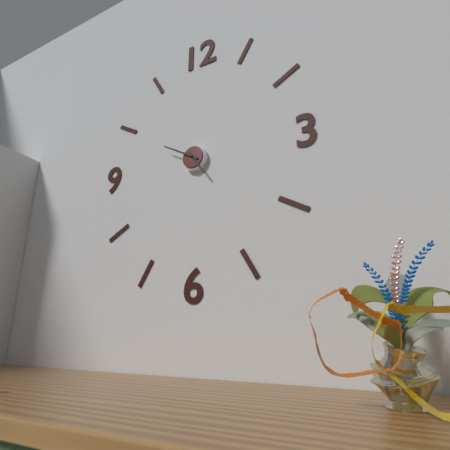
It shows {"hour": 4, "minute": 50}
